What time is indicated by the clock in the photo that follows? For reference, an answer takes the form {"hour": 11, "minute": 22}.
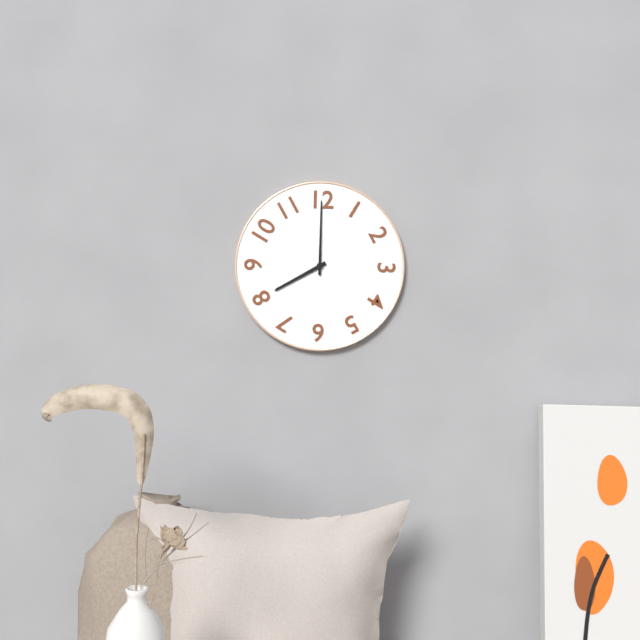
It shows {"hour": 8, "minute": 0}
